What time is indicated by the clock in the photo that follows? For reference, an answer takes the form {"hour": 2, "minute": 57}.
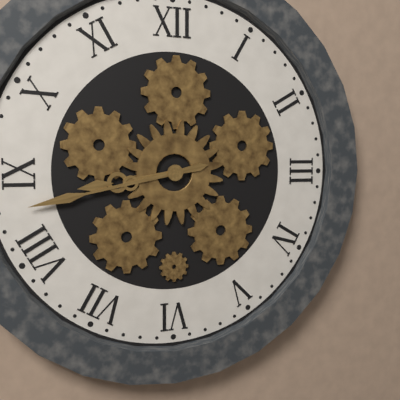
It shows {"hour": 8, "minute": 43}
